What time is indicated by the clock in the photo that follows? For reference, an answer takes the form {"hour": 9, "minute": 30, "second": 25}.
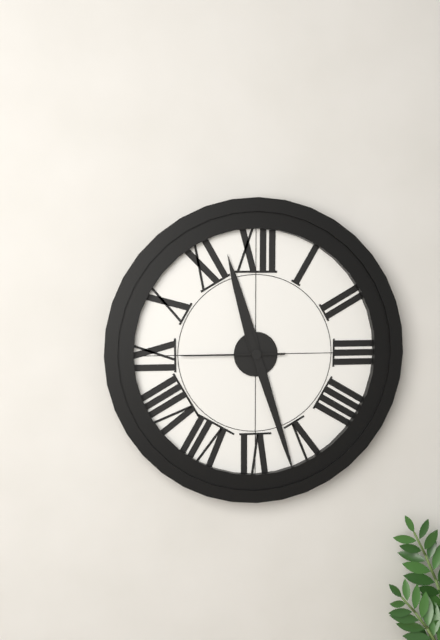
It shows {"hour": 11, "minute": 27, "second": 45}
